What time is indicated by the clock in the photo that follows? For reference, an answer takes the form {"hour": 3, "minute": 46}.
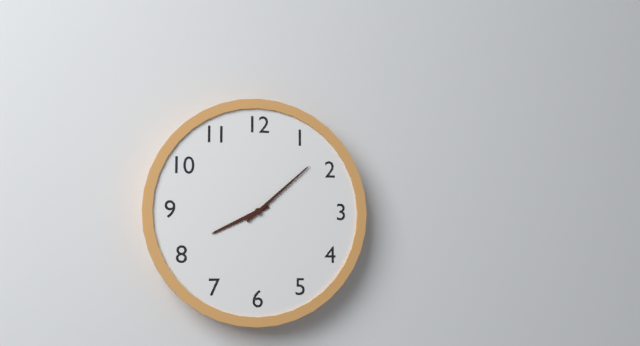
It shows {"hour": 8, "minute": 8}
